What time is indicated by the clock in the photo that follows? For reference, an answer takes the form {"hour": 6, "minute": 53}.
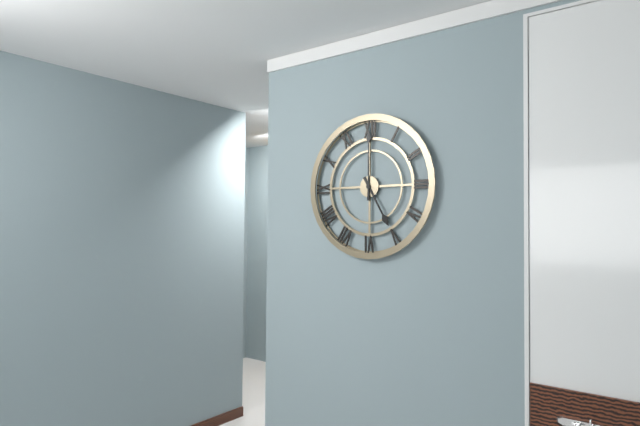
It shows {"hour": 5, "minute": 0}
